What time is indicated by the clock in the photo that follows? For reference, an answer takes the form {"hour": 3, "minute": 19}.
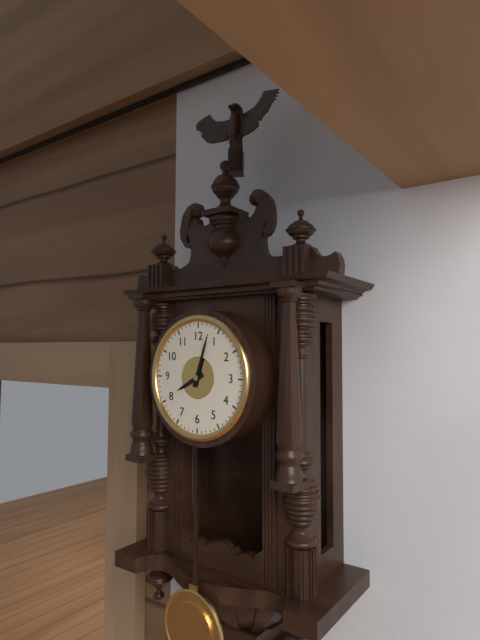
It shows {"hour": 8, "minute": 3}
